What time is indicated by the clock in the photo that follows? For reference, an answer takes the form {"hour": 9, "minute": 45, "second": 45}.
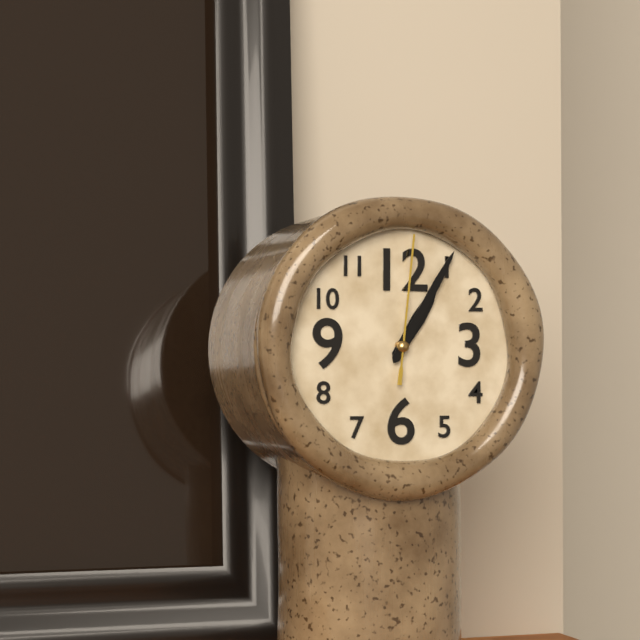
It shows {"hour": 1, "minute": 5, "second": 1}
